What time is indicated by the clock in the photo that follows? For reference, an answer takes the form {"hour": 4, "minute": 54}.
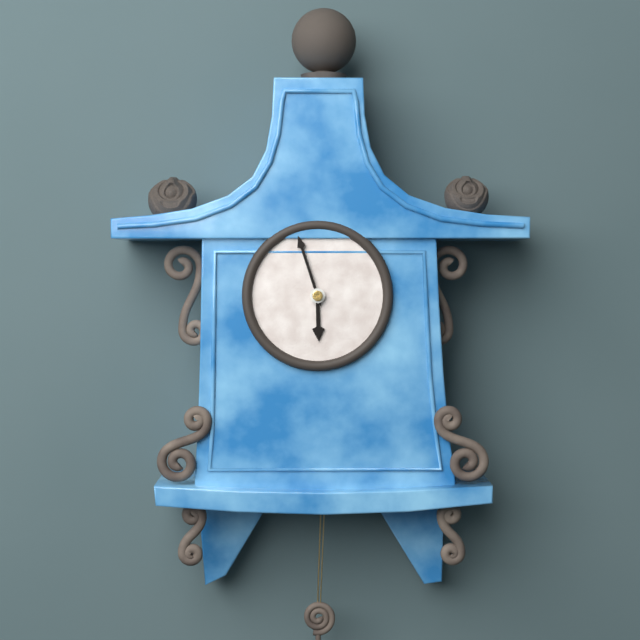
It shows {"hour": 5, "minute": 57}
